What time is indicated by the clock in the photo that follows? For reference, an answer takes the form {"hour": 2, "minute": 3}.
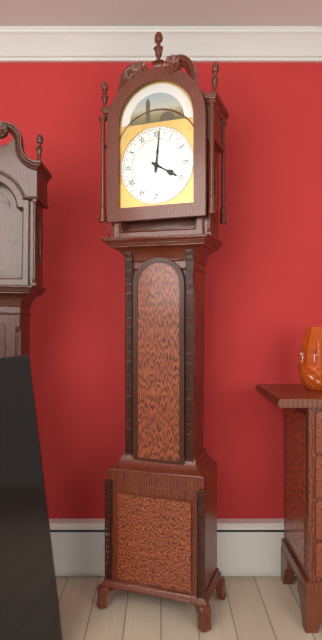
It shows {"hour": 4, "minute": 1}
